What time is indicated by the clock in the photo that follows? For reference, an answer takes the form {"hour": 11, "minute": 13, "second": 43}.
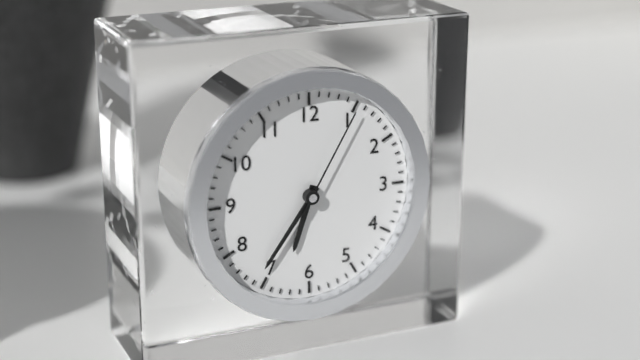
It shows {"hour": 6, "minute": 36, "second": 5}
